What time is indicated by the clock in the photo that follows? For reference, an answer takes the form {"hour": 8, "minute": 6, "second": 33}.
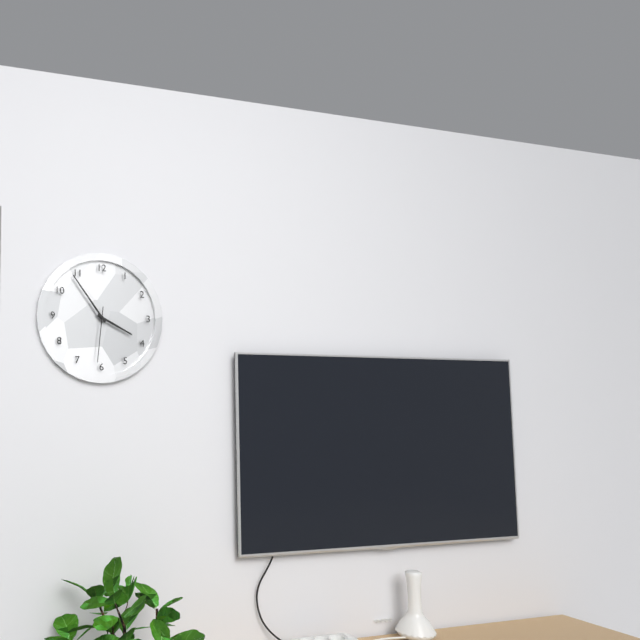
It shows {"hour": 3, "minute": 54, "second": 31}
